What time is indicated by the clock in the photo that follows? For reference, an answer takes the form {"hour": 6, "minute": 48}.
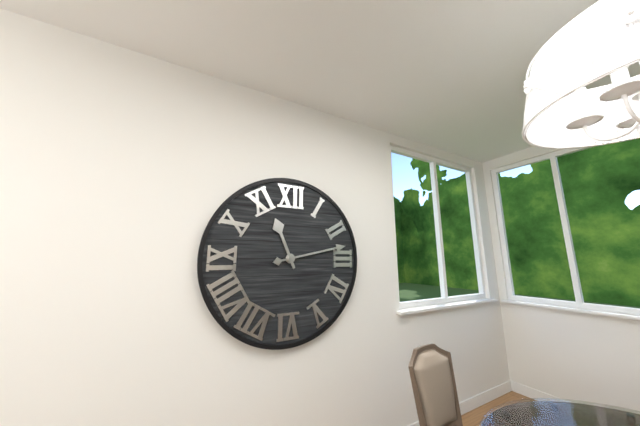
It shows {"hour": 11, "minute": 13}
